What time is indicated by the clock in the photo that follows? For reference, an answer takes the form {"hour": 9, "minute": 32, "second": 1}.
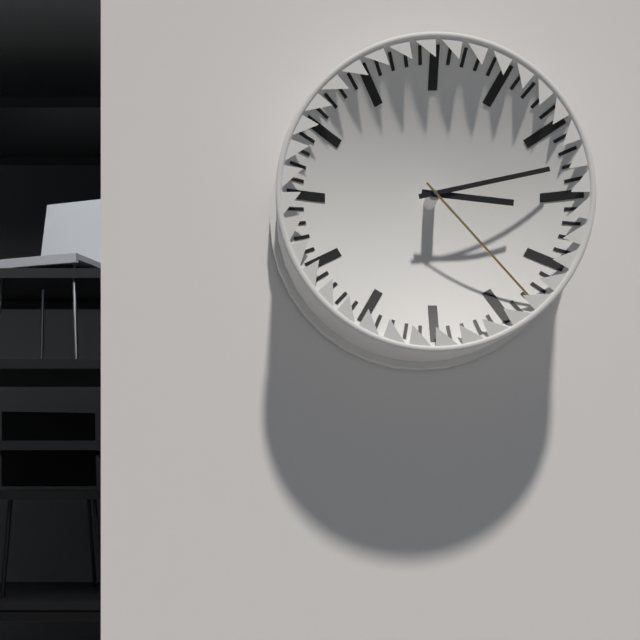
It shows {"hour": 3, "minute": 13, "second": 23}
